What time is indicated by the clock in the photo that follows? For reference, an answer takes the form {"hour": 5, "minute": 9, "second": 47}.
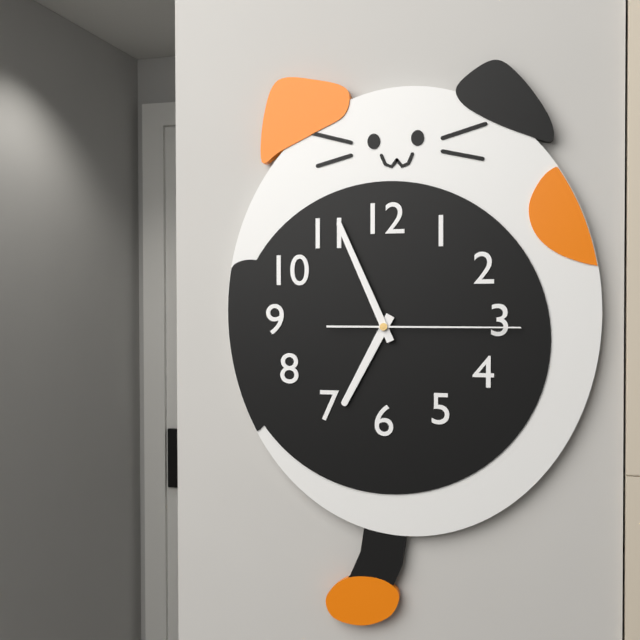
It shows {"hour": 6, "minute": 56, "second": 15}
